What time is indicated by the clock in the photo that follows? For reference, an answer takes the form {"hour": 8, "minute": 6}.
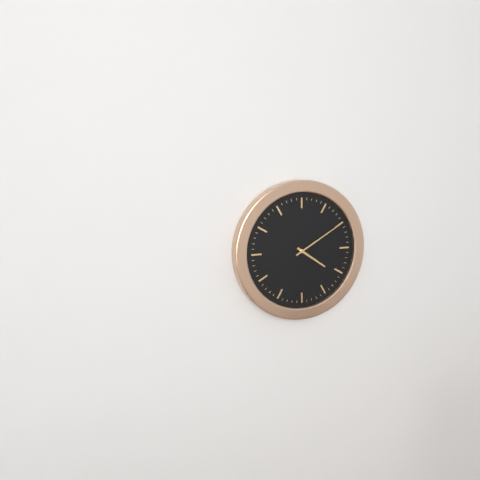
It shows {"hour": 4, "minute": 10}
